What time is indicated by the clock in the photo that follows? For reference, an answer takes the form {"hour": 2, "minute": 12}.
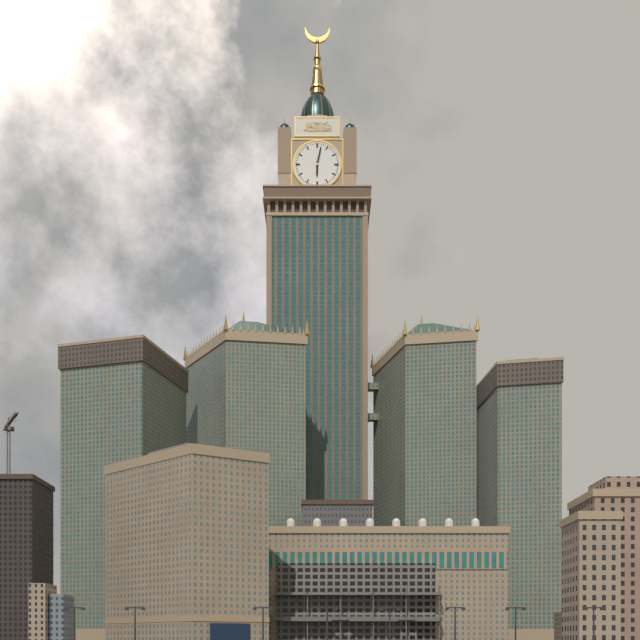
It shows {"hour": 6, "minute": 2}
